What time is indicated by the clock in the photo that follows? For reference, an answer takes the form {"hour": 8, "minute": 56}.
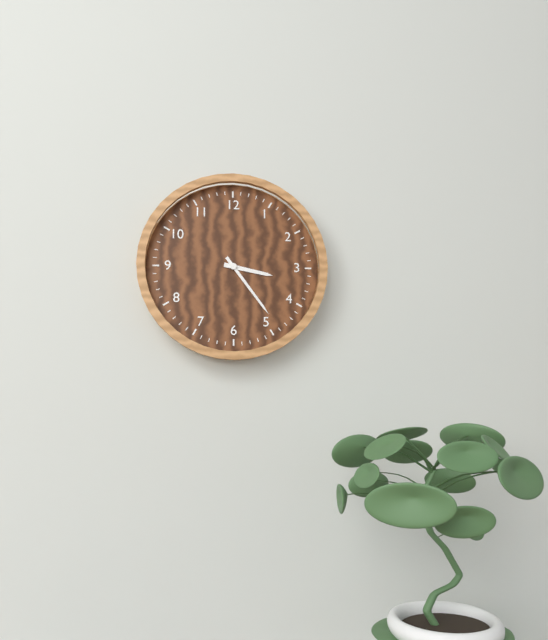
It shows {"hour": 3, "minute": 24}
